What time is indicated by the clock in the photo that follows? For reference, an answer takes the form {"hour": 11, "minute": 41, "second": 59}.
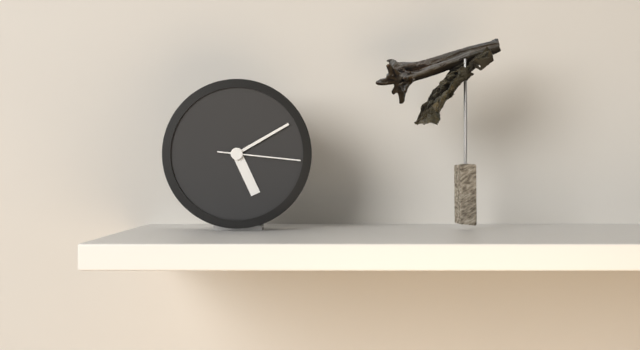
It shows {"hour": 5, "minute": 10, "second": 16}
